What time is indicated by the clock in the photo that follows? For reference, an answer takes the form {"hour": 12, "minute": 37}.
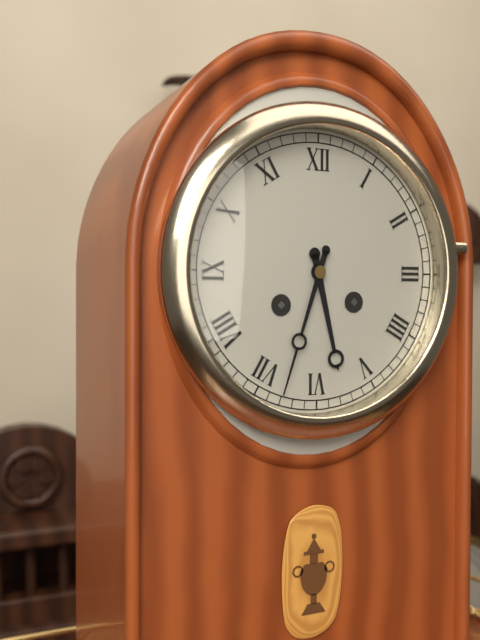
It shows {"hour": 5, "minute": 33}
